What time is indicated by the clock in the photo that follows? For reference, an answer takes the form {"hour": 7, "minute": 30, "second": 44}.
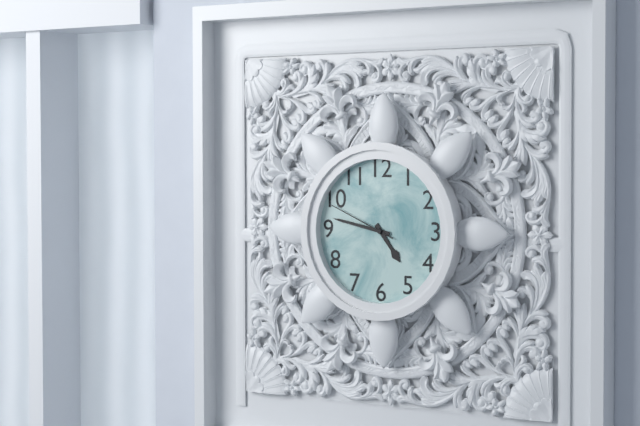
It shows {"hour": 4, "minute": 47, "second": 49}
